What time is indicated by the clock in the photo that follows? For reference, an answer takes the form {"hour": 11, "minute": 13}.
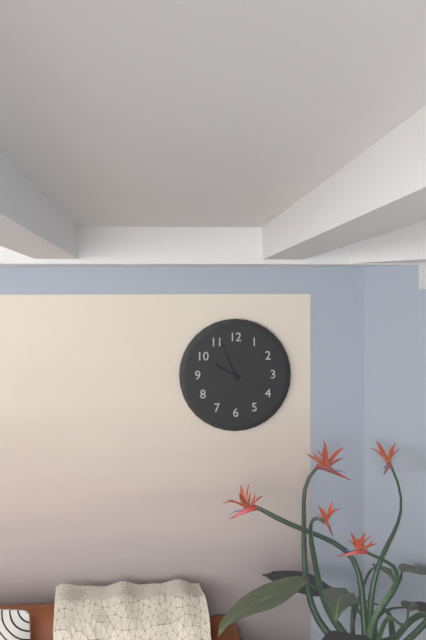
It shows {"hour": 9, "minute": 56}
